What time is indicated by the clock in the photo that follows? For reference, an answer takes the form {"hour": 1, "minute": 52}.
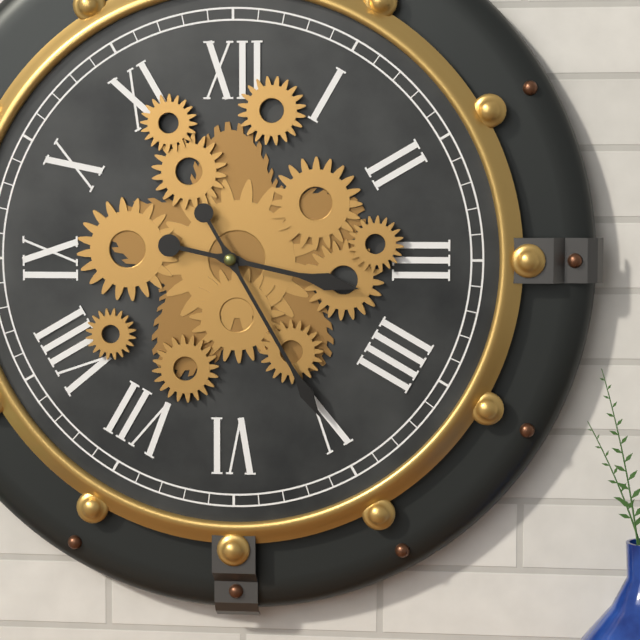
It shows {"hour": 3, "minute": 25}
